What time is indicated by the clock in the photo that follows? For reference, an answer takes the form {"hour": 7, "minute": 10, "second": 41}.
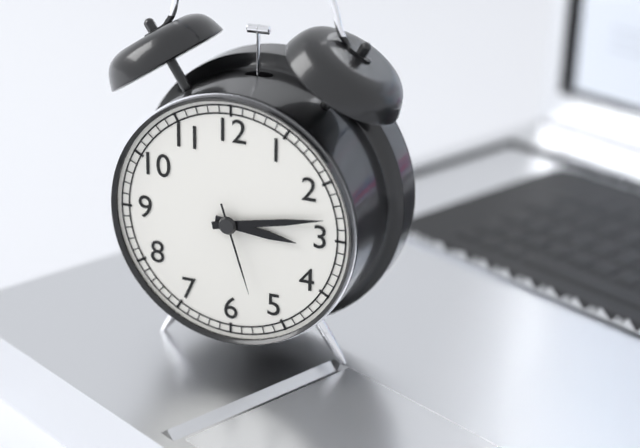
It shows {"hour": 3, "minute": 13, "second": 27}
